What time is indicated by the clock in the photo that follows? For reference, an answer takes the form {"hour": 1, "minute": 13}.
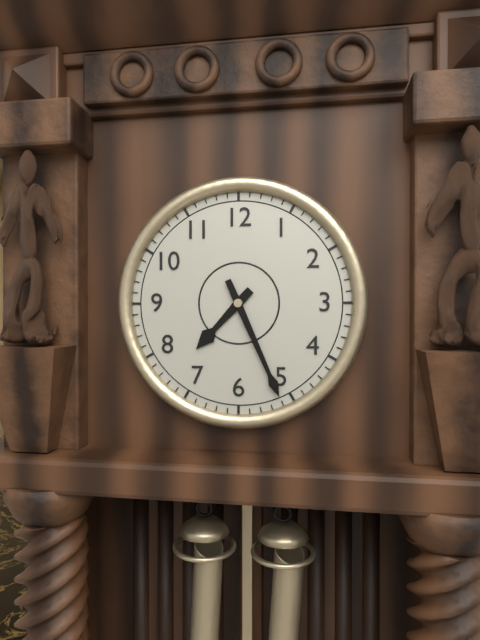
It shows {"hour": 7, "minute": 26}
